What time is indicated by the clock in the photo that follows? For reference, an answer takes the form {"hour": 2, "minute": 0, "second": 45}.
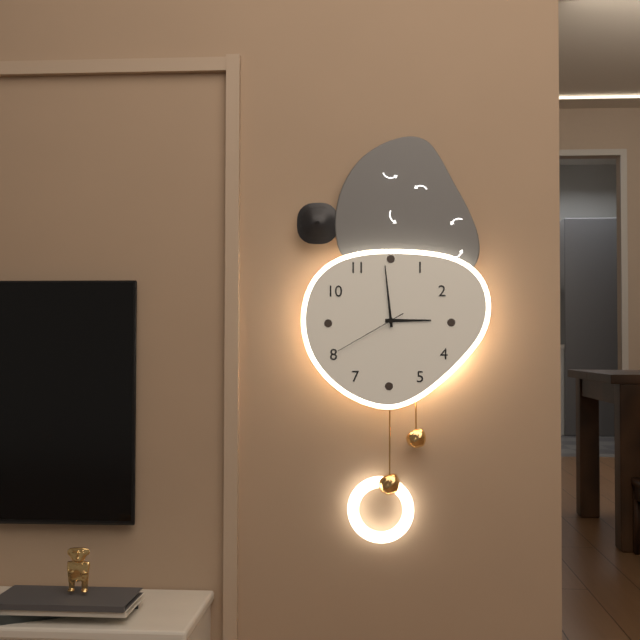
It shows {"hour": 2, "minute": 59, "second": 40}
